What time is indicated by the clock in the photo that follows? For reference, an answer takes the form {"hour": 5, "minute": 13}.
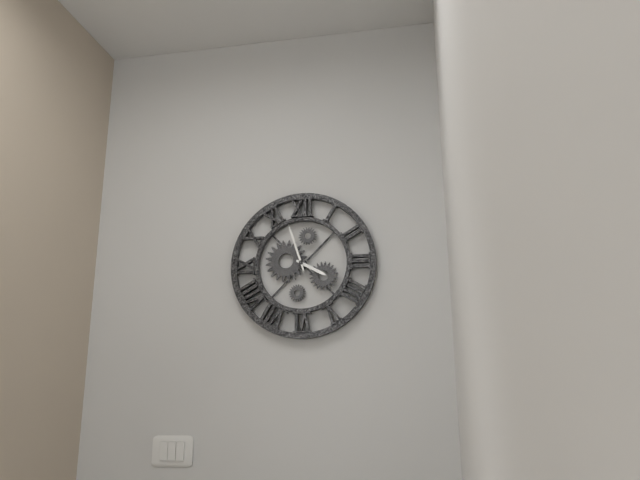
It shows {"hour": 3, "minute": 57}
